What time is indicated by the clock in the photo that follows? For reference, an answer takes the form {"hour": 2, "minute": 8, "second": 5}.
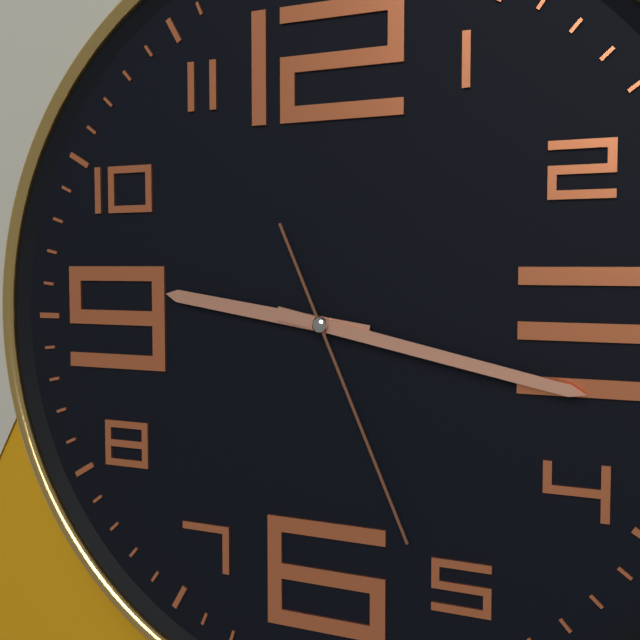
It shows {"hour": 9, "minute": 17, "second": 26}
